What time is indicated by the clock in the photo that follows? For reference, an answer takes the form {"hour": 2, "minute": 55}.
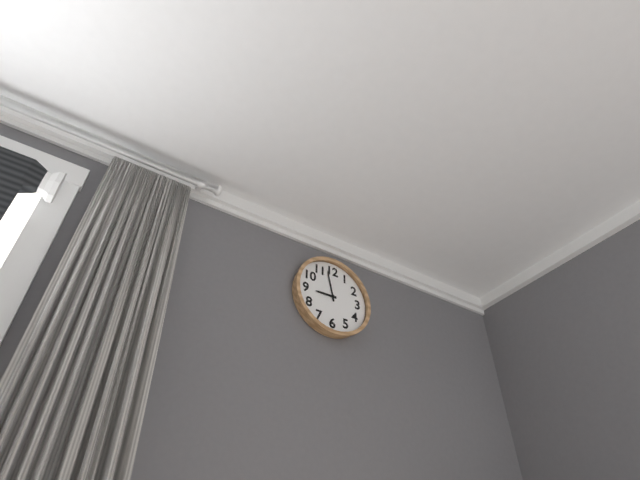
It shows {"hour": 8, "minute": 58}
